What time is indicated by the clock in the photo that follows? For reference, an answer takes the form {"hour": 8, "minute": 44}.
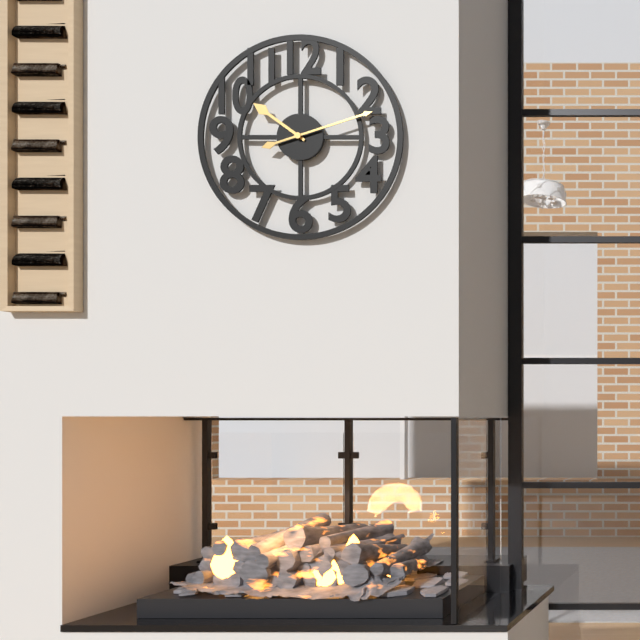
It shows {"hour": 10, "minute": 12}
